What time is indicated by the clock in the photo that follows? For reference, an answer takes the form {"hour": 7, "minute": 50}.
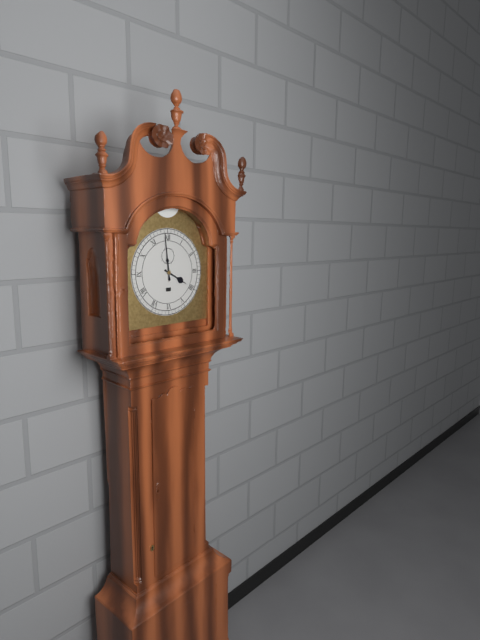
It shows {"hour": 3, "minute": 59}
